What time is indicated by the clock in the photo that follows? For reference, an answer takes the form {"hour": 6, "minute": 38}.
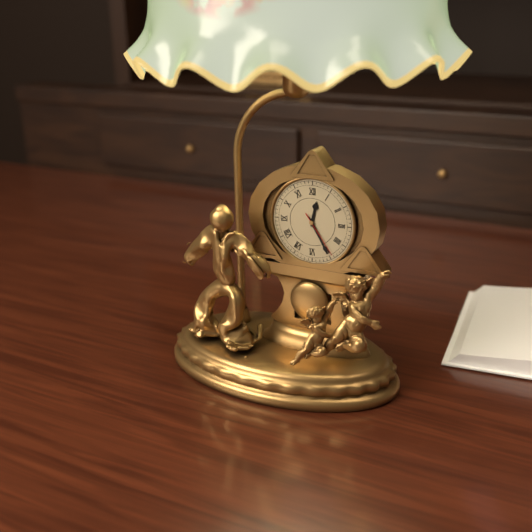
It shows {"hour": 12, "minute": 25}
